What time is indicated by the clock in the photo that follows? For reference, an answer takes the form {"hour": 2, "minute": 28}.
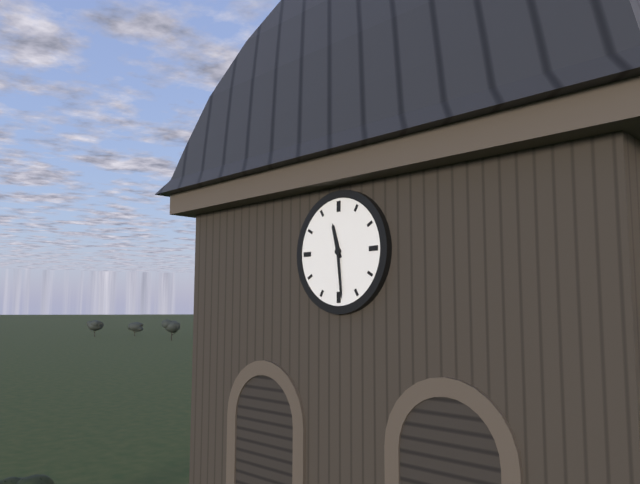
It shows {"hour": 11, "minute": 29}
